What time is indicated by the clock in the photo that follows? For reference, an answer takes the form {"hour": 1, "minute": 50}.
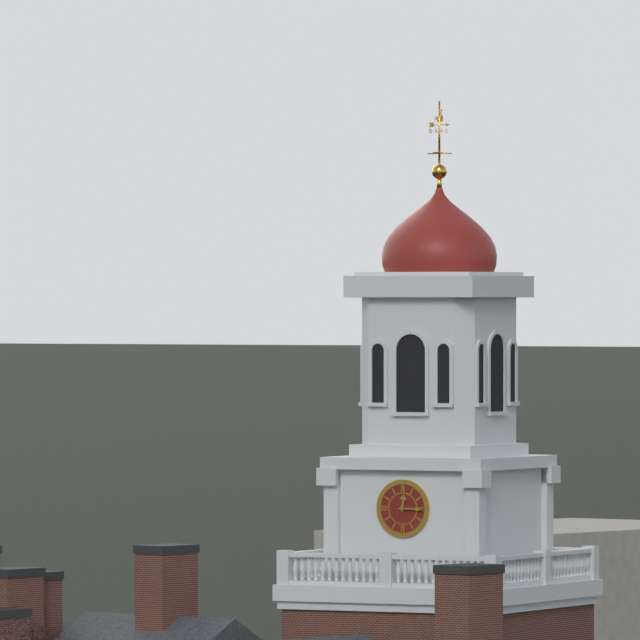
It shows {"hour": 12, "minute": 15}
